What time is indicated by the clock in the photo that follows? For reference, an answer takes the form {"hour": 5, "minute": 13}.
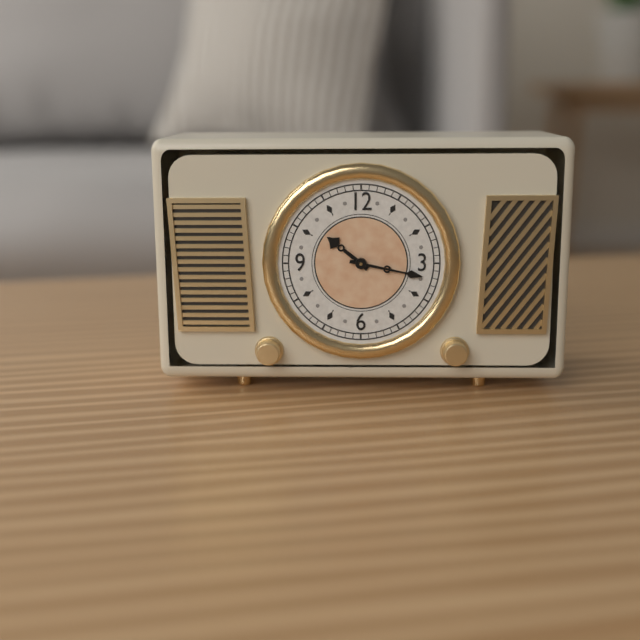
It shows {"hour": 10, "minute": 17}
